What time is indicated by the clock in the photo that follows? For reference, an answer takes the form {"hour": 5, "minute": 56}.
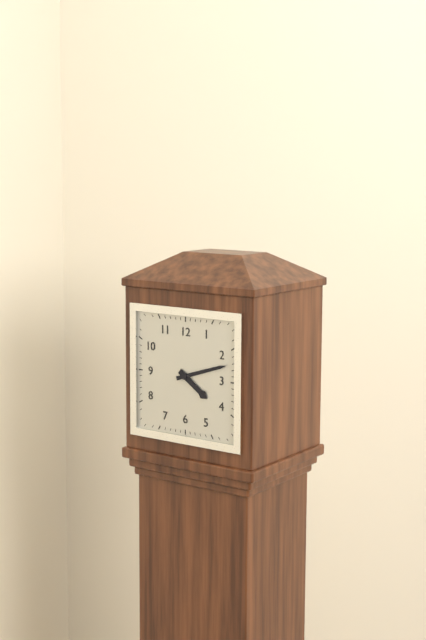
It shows {"hour": 4, "minute": 12}
